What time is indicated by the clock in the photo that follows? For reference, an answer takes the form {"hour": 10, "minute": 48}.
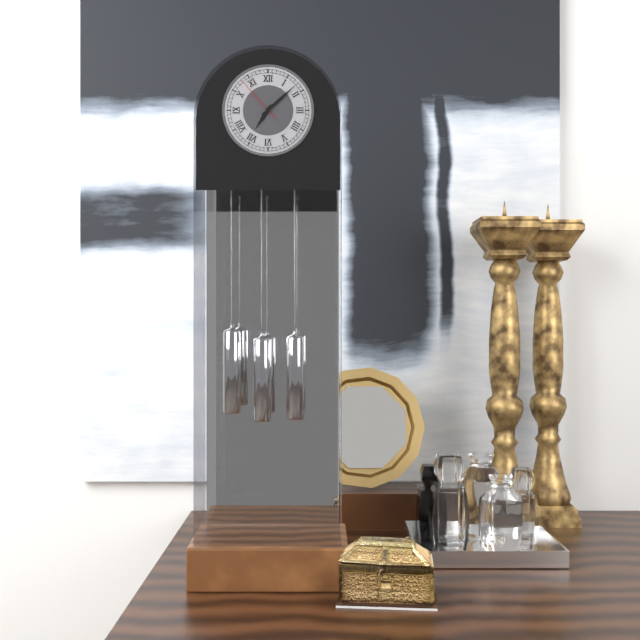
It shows {"hour": 7, "minute": 8}
